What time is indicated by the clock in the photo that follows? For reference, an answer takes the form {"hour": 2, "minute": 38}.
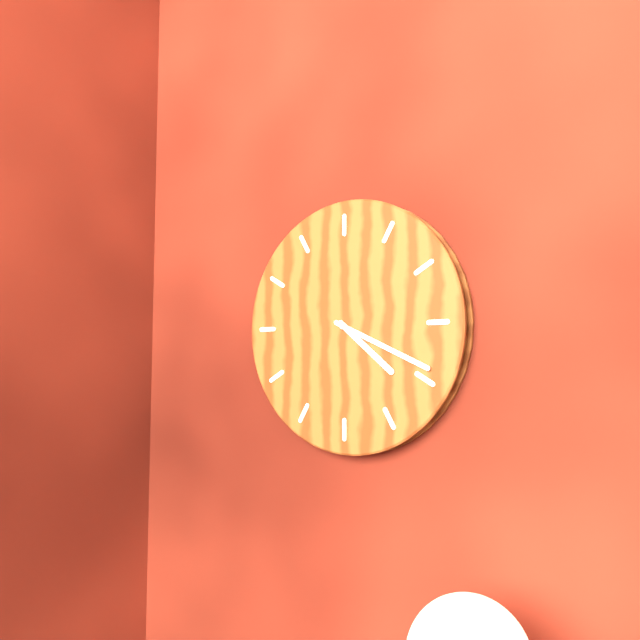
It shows {"hour": 4, "minute": 19}
